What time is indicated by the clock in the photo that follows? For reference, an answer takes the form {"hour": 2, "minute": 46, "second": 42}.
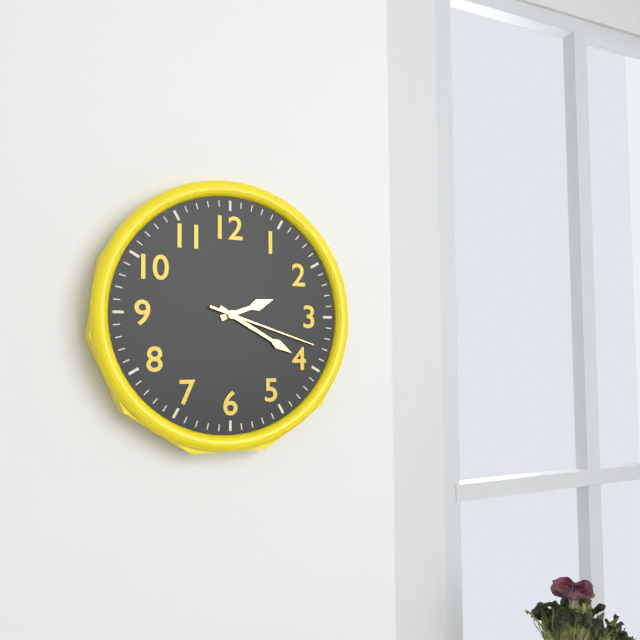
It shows {"hour": 2, "minute": 20, "second": 18}
